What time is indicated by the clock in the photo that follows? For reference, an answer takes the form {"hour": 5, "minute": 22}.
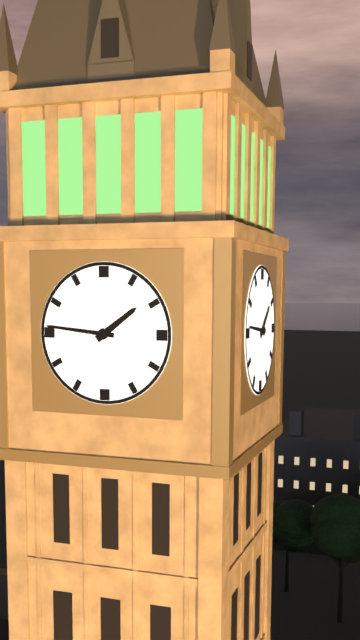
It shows {"hour": 1, "minute": 46}
